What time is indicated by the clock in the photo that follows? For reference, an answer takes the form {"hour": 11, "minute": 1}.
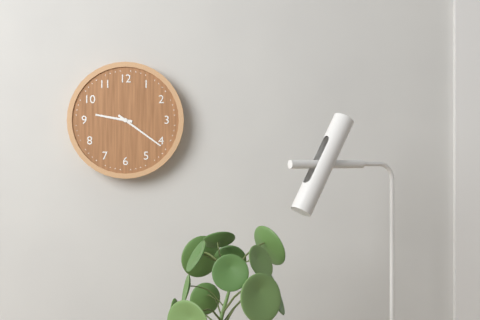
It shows {"hour": 9, "minute": 21}
